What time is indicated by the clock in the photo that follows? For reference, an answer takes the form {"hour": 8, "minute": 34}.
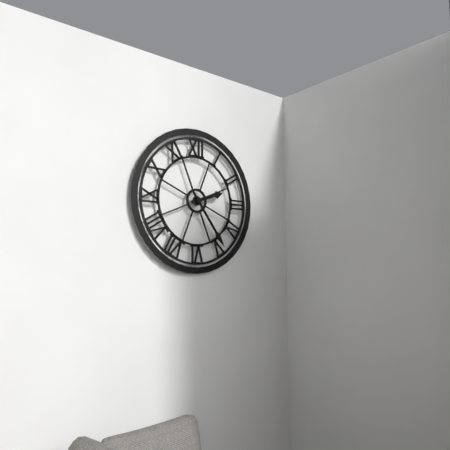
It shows {"hour": 2, "minute": 24}
